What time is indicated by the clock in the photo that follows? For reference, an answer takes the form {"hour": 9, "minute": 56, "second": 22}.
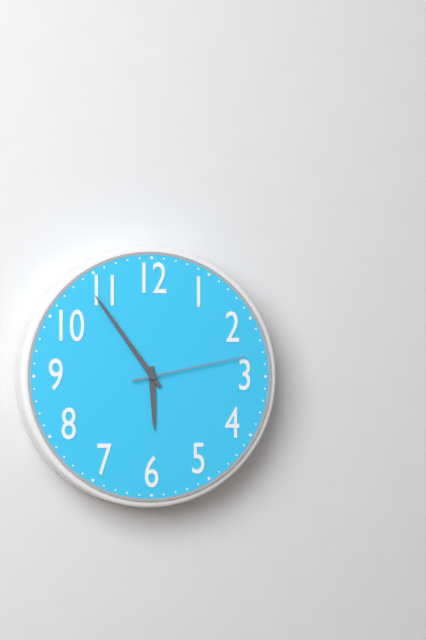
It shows {"hour": 5, "minute": 54, "second": 13}
